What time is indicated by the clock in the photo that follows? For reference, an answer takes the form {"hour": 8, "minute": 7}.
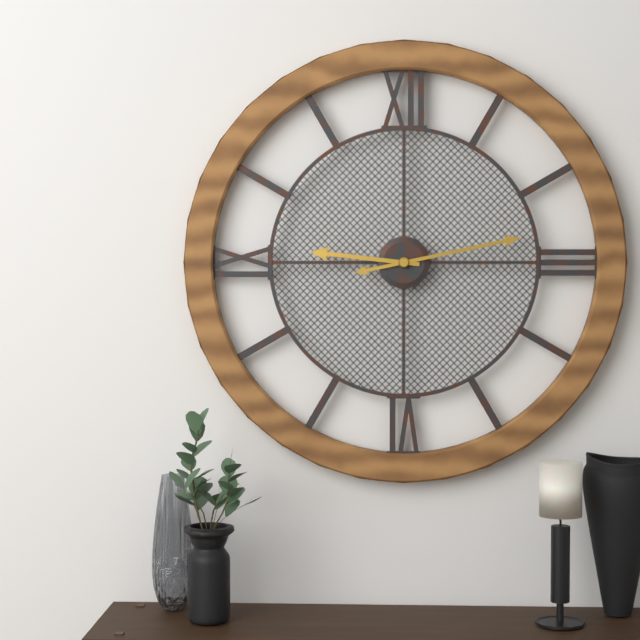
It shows {"hour": 9, "minute": 13}
